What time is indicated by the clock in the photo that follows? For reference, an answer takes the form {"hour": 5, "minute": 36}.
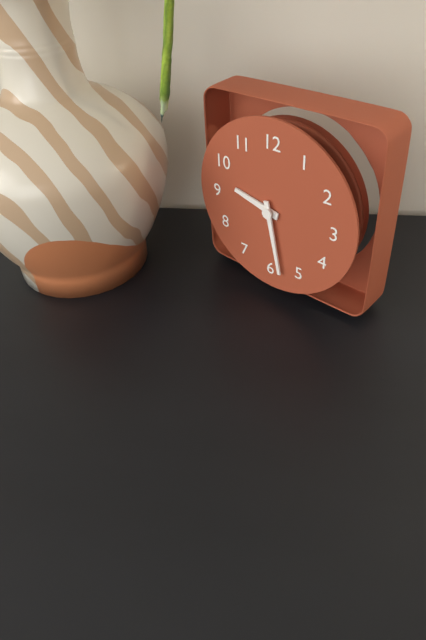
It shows {"hour": 9, "minute": 28}
